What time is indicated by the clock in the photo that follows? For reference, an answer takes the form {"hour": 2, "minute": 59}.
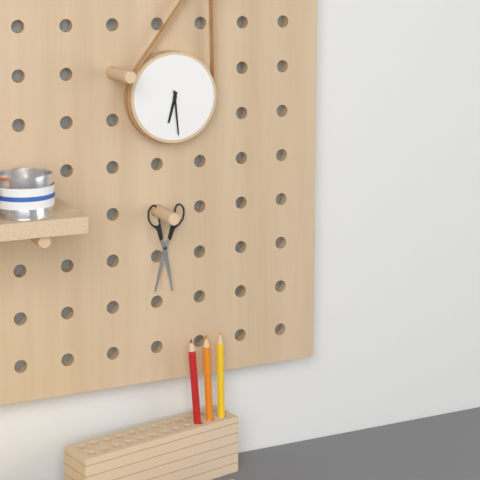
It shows {"hour": 6, "minute": 29}
